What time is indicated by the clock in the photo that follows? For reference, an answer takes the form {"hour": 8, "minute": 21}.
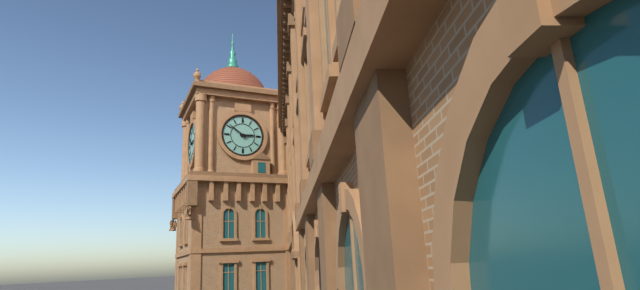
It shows {"hour": 2, "minute": 51}
